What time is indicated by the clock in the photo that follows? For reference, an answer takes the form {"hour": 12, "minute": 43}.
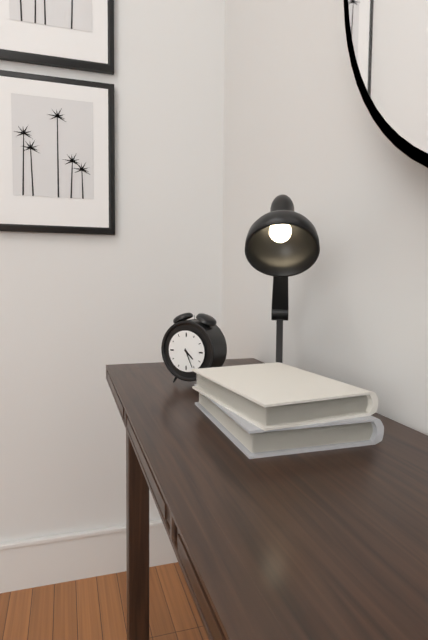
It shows {"hour": 4, "minute": 26}
